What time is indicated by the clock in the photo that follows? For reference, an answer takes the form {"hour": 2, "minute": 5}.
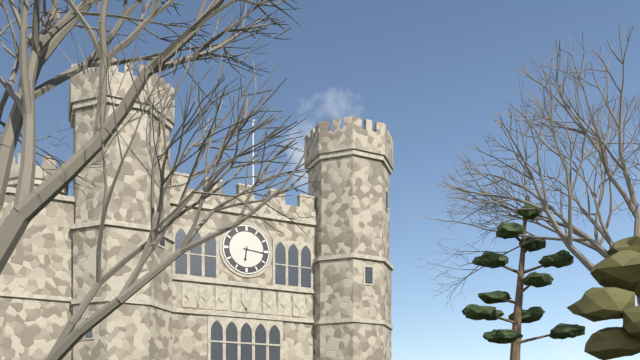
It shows {"hour": 6, "minute": 16}
